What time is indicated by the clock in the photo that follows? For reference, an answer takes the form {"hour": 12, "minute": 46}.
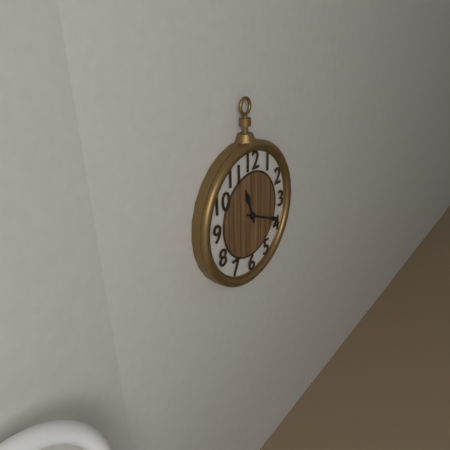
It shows {"hour": 11, "minute": 19}
